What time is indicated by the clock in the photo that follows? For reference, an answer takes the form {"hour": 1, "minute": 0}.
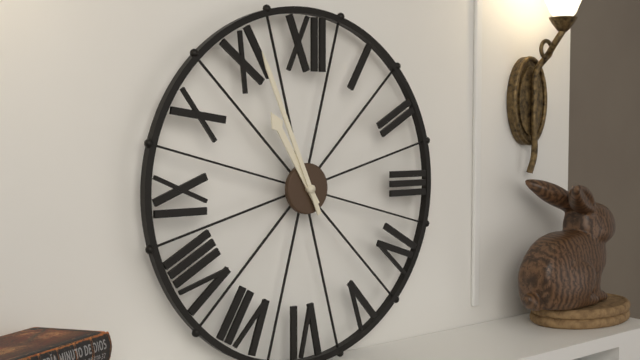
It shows {"hour": 10, "minute": 56}
